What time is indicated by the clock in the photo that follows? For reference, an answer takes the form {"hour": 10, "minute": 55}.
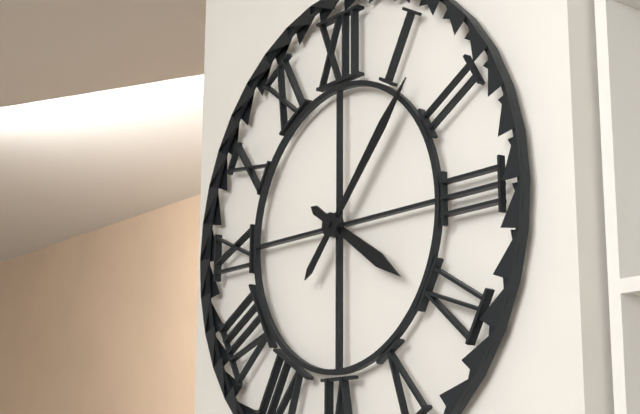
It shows {"hour": 4, "minute": 7}
